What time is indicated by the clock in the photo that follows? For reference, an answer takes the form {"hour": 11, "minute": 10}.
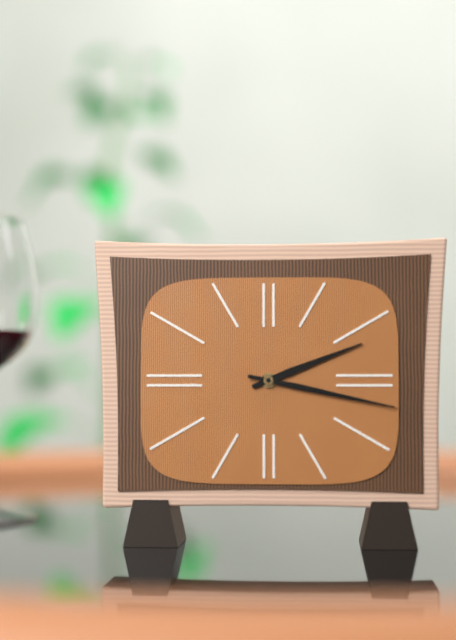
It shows {"hour": 2, "minute": 17}
